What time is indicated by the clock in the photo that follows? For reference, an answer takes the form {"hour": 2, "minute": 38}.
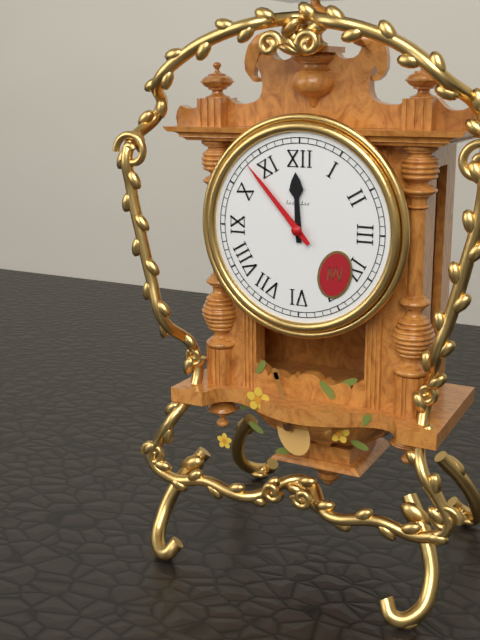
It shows {"hour": 11, "minute": 53}
